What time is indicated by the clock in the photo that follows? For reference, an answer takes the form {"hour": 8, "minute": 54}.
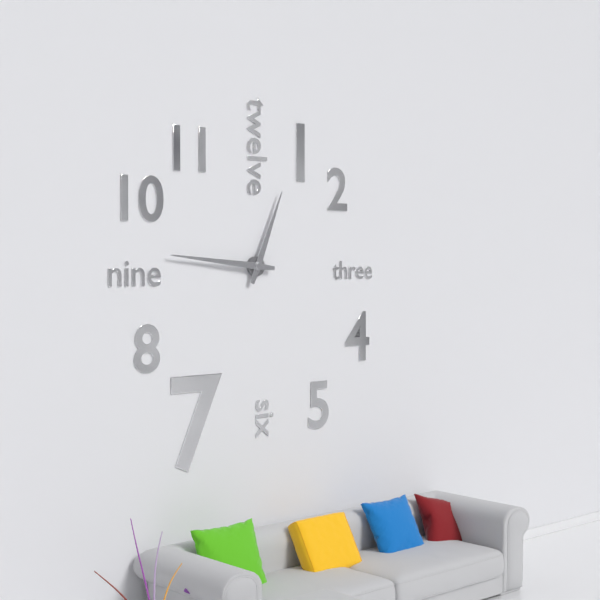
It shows {"hour": 12, "minute": 46}
